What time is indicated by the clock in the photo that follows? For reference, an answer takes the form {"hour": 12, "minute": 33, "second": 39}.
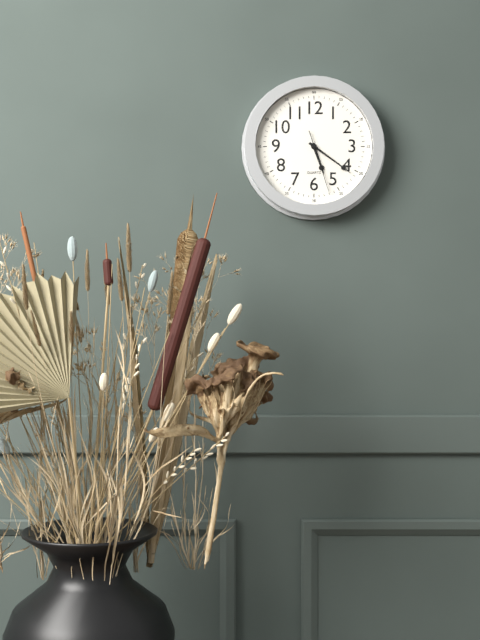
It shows {"hour": 5, "minute": 21, "second": 27}
